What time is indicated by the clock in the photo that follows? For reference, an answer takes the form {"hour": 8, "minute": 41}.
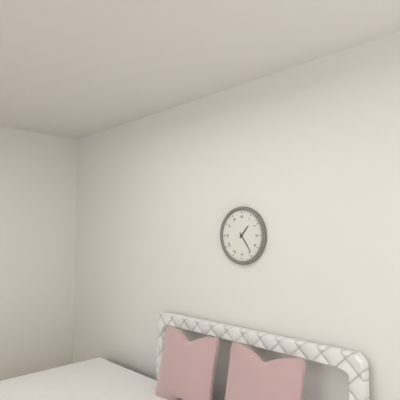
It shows {"hour": 1, "minute": 24}
